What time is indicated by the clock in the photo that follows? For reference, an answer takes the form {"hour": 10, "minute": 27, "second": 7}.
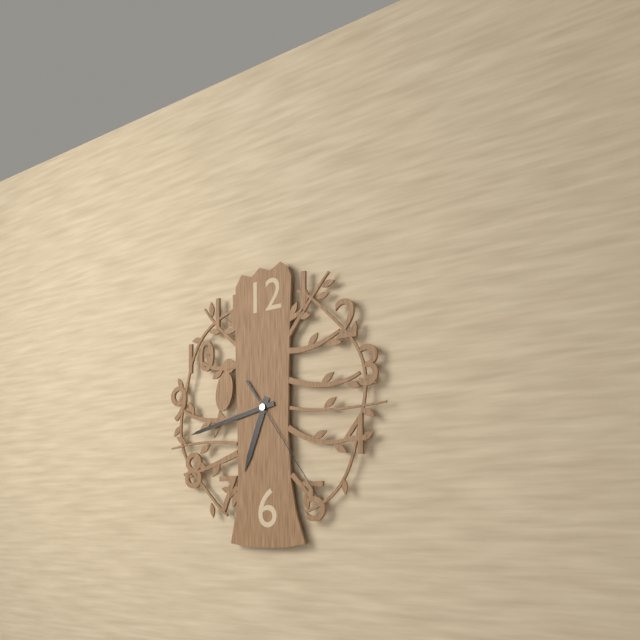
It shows {"hour": 6, "minute": 43, "second": 24}
